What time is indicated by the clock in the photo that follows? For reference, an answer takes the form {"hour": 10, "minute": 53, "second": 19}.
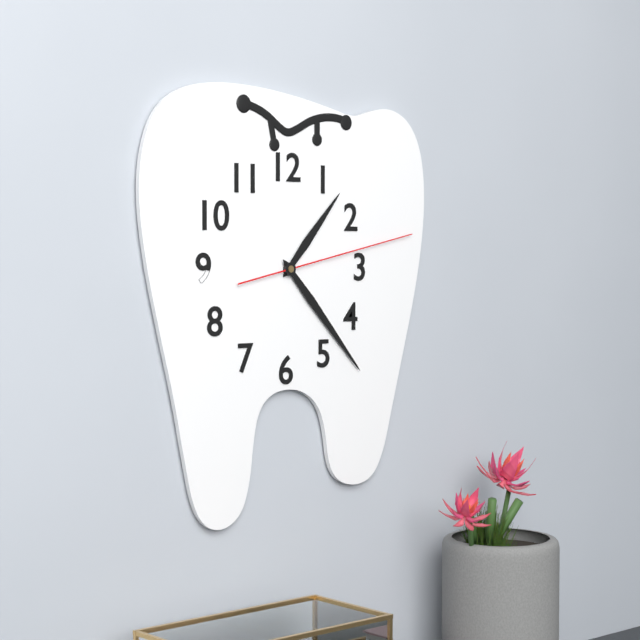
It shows {"hour": 1, "minute": 23, "second": 13}
